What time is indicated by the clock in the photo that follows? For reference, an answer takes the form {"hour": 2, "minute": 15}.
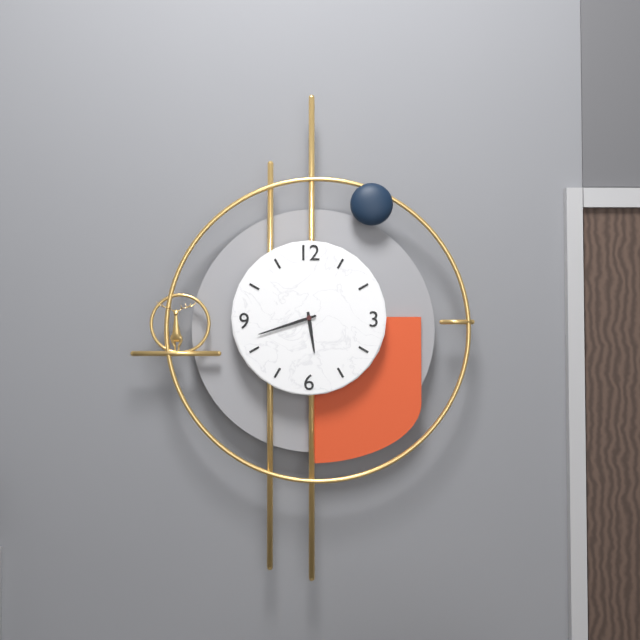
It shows {"hour": 5, "minute": 42}
